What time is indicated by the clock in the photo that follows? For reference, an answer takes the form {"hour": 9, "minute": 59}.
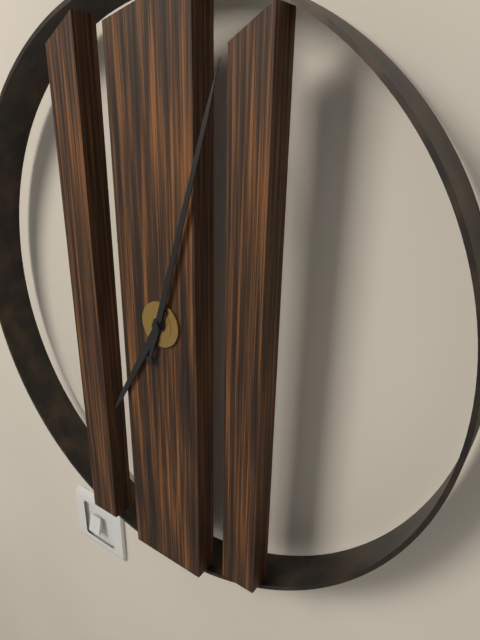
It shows {"hour": 7, "minute": 3}
